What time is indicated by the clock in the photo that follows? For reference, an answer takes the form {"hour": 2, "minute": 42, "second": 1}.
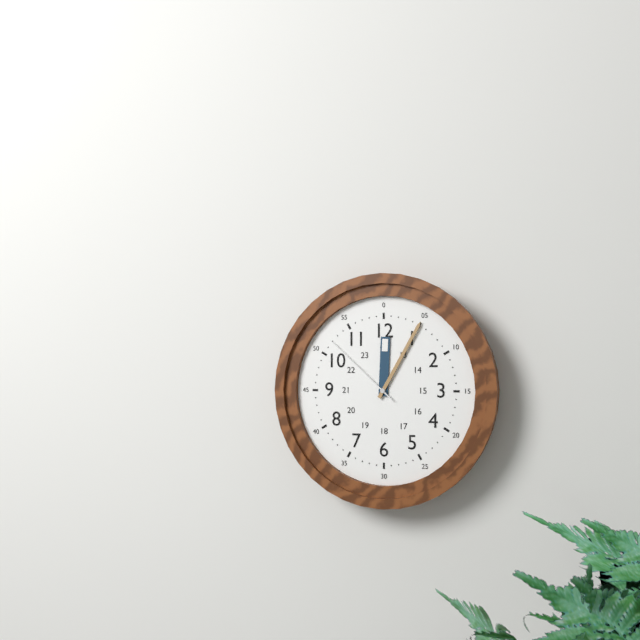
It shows {"hour": 12, "minute": 5, "second": 52}
